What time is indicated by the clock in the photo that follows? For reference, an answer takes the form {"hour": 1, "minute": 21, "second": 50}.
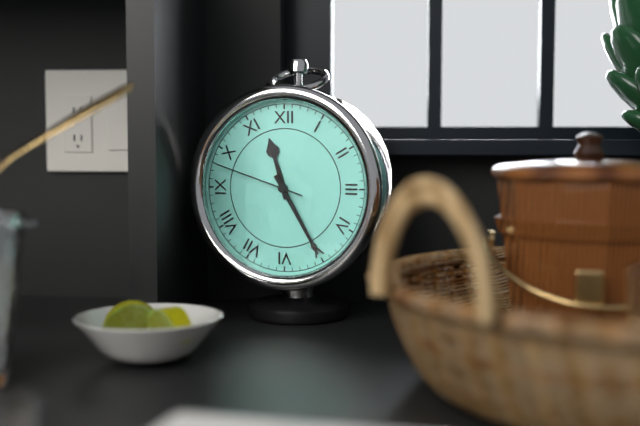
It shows {"hour": 11, "minute": 25, "second": 48}
